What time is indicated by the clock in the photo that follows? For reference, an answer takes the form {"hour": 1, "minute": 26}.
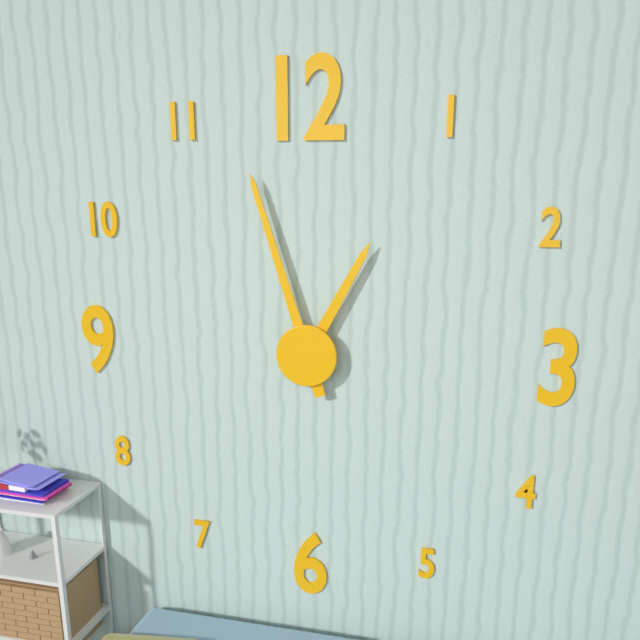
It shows {"hour": 12, "minute": 57}
